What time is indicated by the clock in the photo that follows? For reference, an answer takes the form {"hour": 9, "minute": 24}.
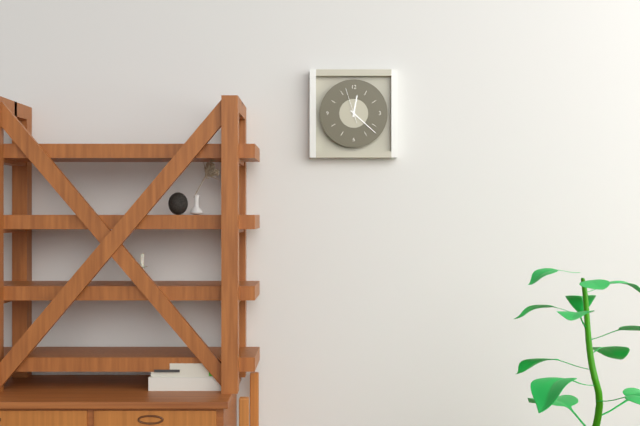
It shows {"hour": 12, "minute": 22}
